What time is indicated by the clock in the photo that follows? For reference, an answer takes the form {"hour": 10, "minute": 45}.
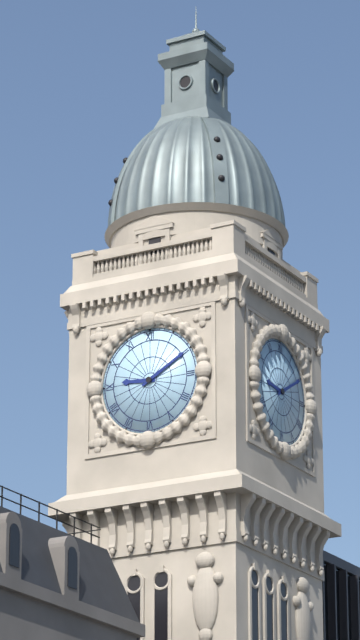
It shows {"hour": 9, "minute": 10}
